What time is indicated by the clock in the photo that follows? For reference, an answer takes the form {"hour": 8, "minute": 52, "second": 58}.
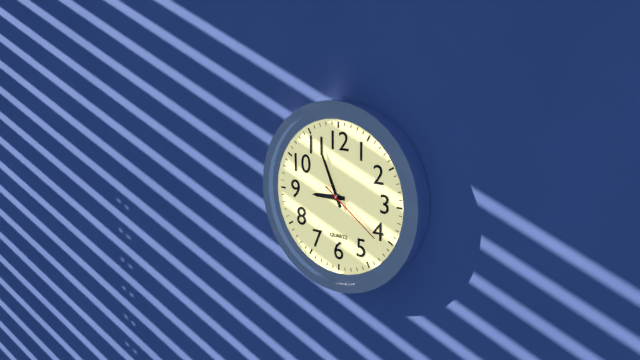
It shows {"hour": 8, "minute": 56, "second": 21}
